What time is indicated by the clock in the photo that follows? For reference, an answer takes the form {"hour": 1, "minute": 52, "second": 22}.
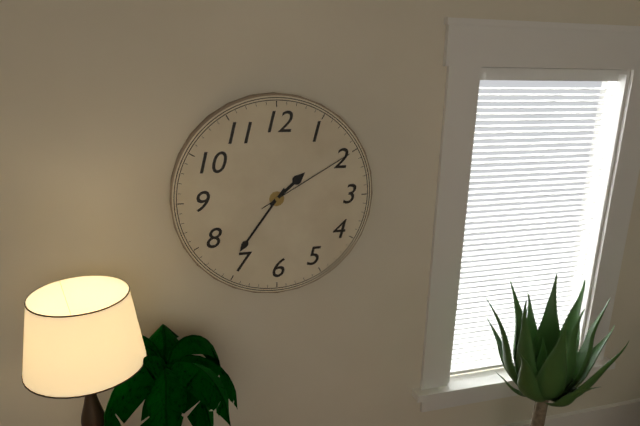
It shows {"hour": 1, "minute": 36, "second": 10}
